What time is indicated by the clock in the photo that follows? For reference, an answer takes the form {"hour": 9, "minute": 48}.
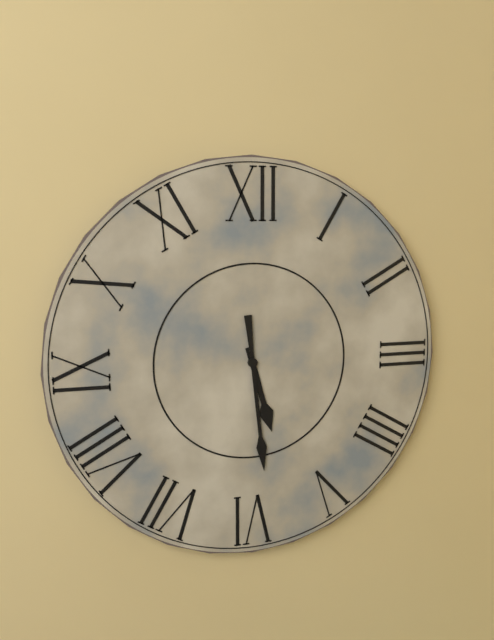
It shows {"hour": 5, "minute": 29}
